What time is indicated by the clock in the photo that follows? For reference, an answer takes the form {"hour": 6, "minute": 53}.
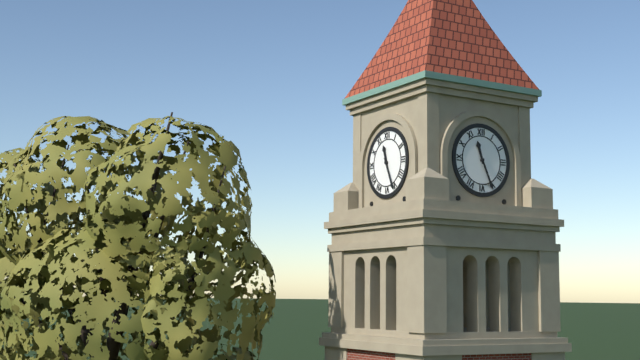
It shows {"hour": 11, "minute": 26}
